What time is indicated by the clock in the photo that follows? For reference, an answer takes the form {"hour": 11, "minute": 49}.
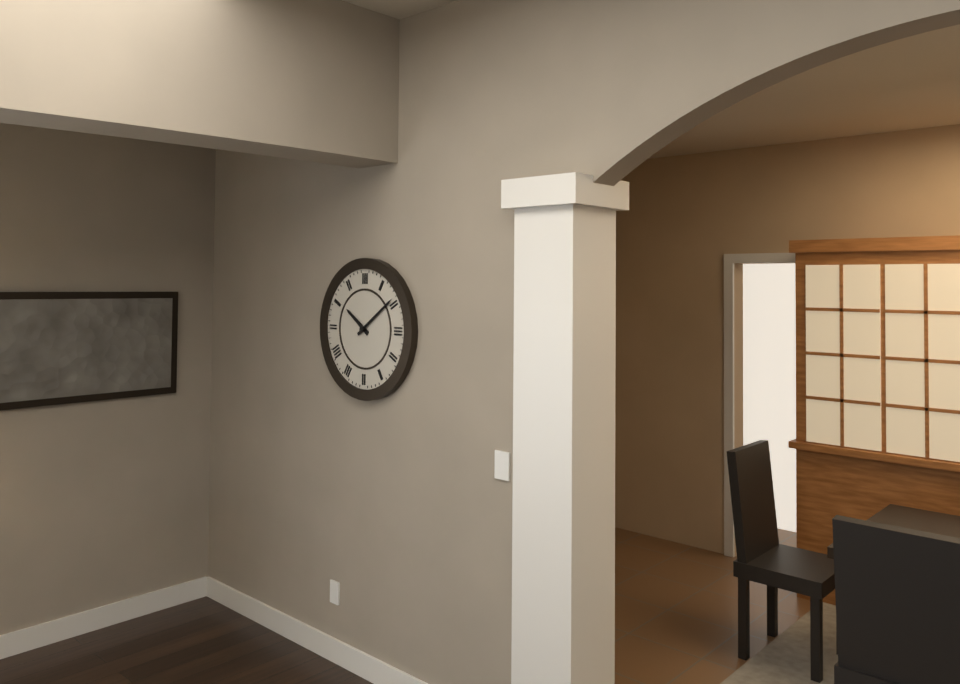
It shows {"hour": 10, "minute": 9}
